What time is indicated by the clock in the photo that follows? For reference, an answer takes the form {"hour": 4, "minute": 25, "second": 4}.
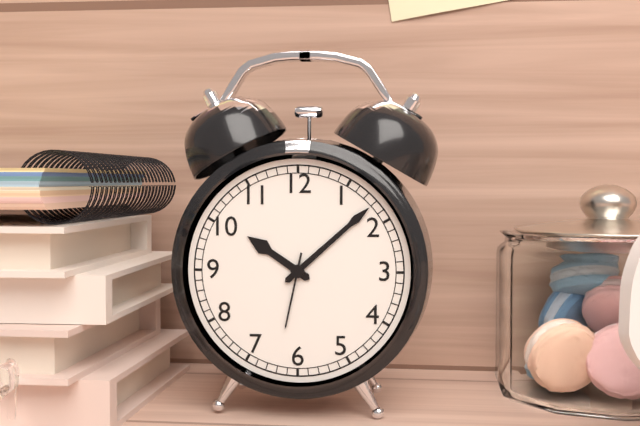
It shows {"hour": 10, "minute": 8, "second": 32}
